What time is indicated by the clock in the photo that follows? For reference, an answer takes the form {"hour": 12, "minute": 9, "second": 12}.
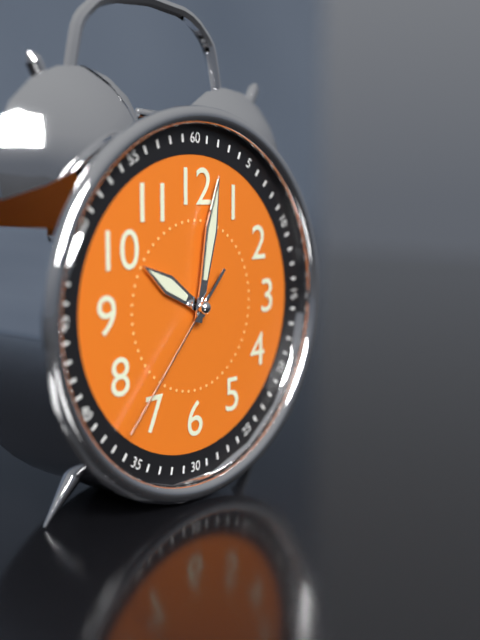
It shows {"hour": 10, "minute": 2, "second": 37}
